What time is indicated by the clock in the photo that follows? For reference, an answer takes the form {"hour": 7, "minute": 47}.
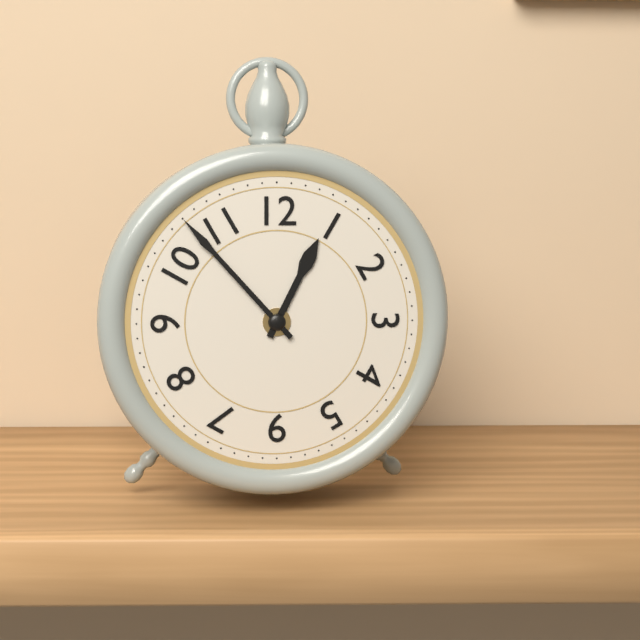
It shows {"hour": 12, "minute": 53}
